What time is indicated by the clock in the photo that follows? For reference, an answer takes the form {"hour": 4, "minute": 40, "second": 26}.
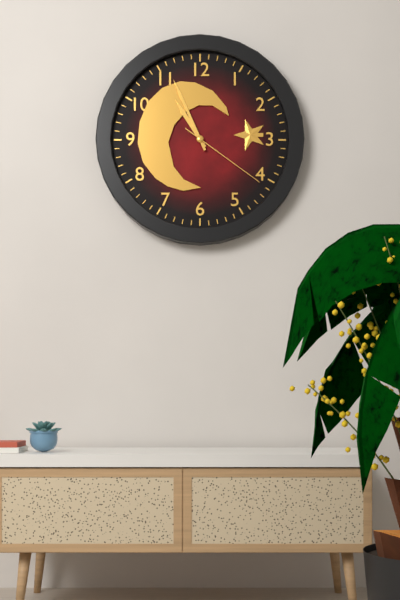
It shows {"hour": 10, "minute": 56, "second": 21}
